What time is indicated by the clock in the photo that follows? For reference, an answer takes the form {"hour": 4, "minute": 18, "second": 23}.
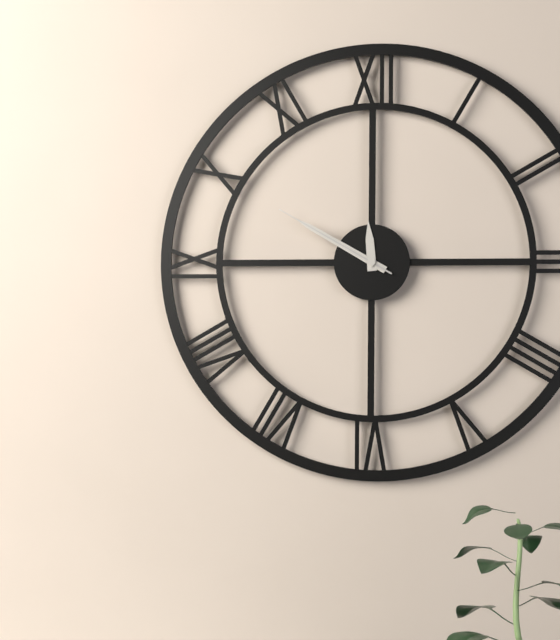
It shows {"hour": 11, "minute": 50, "second": 50}
